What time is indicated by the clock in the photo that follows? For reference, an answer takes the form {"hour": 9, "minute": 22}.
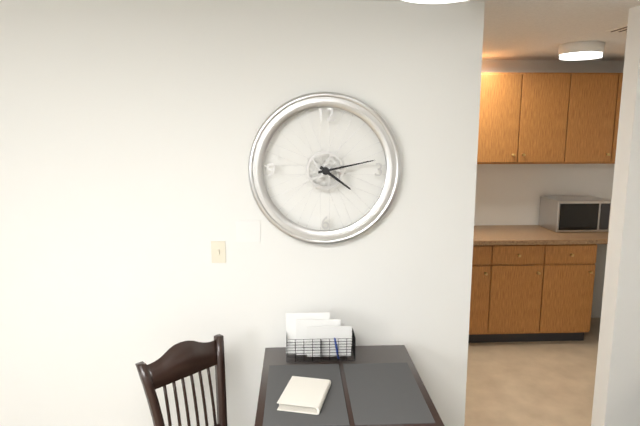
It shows {"hour": 4, "minute": 13}
